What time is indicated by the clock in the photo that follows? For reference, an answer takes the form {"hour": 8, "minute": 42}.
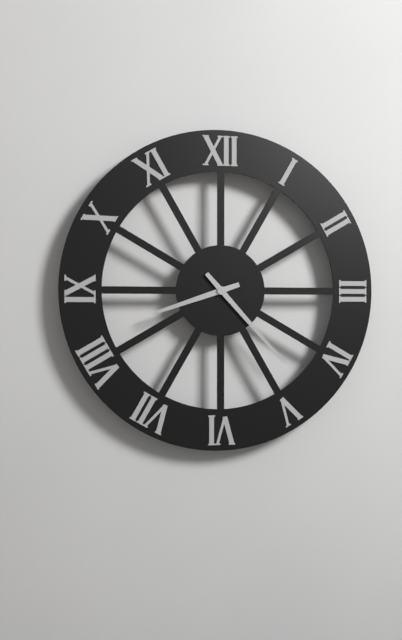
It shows {"hour": 8, "minute": 23}
